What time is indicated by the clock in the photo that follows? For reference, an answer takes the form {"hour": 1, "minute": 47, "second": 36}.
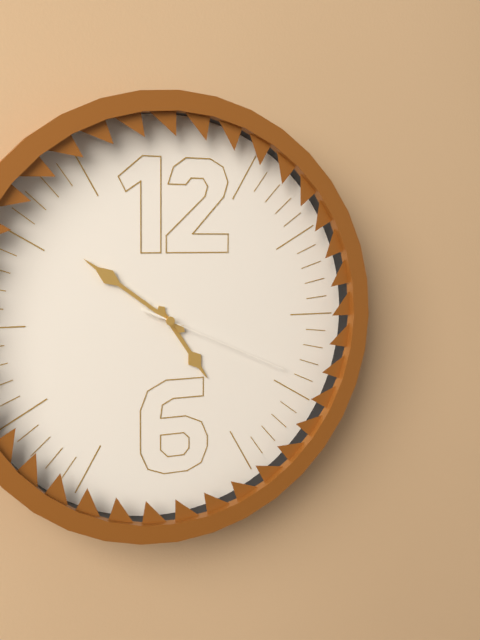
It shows {"hour": 4, "minute": 51, "second": 19}
